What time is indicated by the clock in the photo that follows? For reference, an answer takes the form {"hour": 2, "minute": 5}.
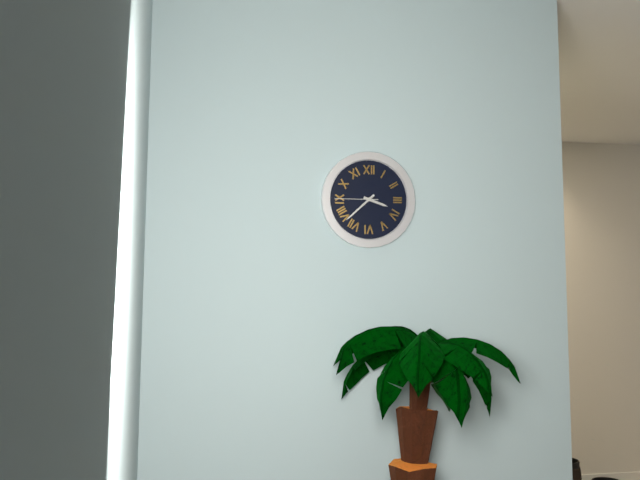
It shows {"hour": 3, "minute": 38}
